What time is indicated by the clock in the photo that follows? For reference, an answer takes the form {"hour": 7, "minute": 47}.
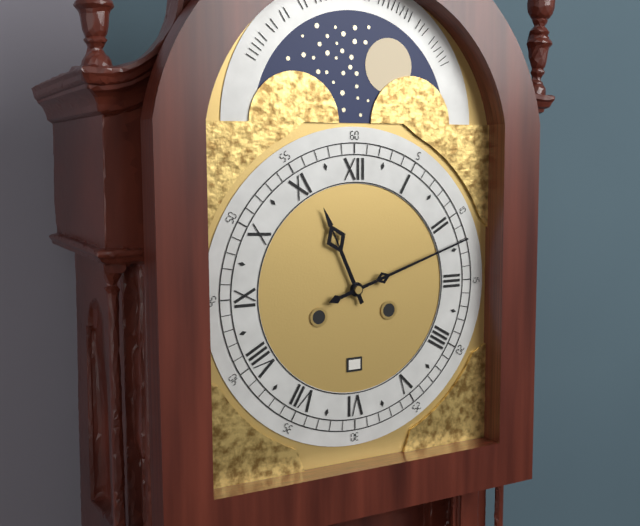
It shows {"hour": 11, "minute": 12}
